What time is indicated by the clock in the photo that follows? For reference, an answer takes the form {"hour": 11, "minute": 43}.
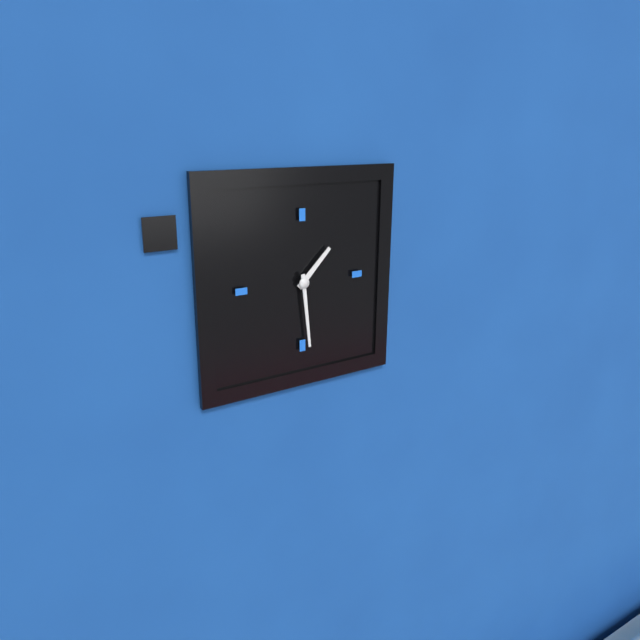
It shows {"hour": 1, "minute": 29}
